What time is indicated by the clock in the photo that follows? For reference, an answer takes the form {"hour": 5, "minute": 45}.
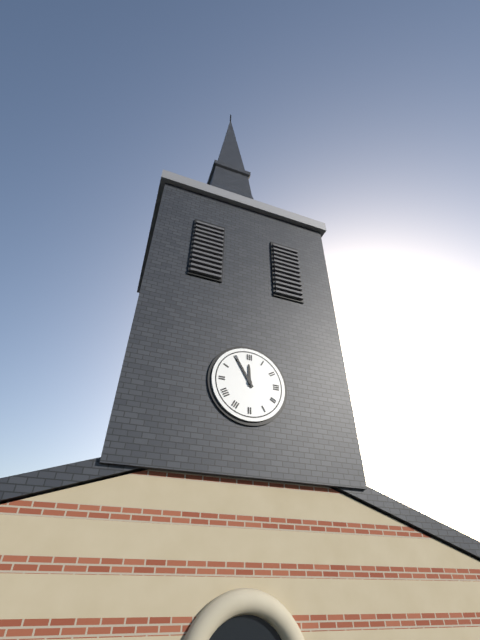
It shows {"hour": 11, "minute": 55}
